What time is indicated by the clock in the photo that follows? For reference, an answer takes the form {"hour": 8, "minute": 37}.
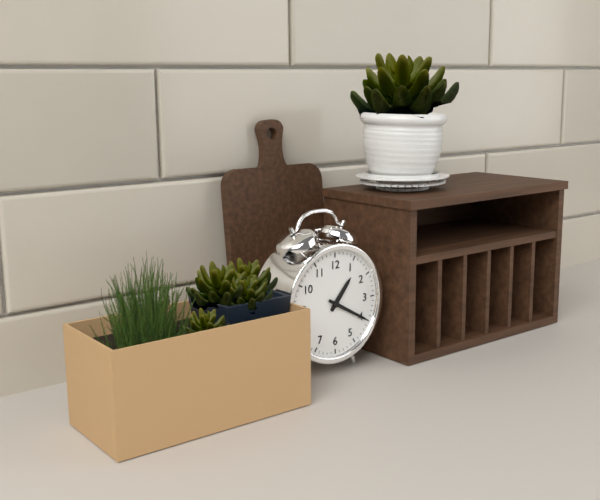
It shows {"hour": 1, "minute": 20}
